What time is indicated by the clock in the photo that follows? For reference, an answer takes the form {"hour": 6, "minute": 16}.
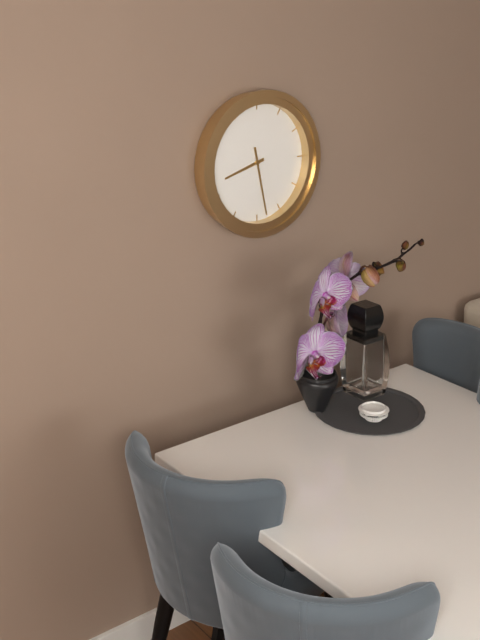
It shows {"hour": 8, "minute": 28}
